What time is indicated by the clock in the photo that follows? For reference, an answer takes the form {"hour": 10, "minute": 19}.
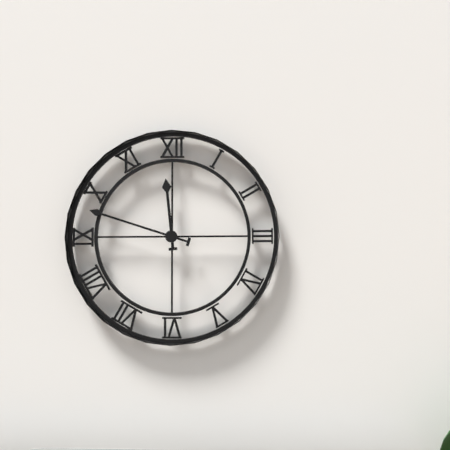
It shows {"hour": 11, "minute": 48}
